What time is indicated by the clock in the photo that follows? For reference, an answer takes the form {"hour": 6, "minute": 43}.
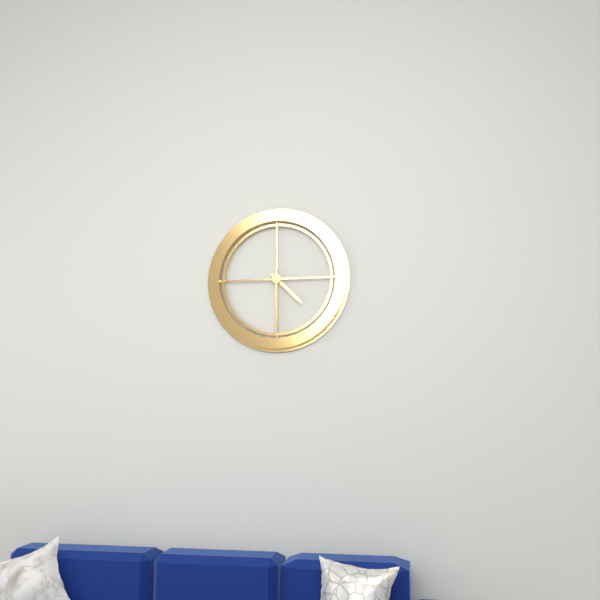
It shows {"hour": 4, "minute": 30}
